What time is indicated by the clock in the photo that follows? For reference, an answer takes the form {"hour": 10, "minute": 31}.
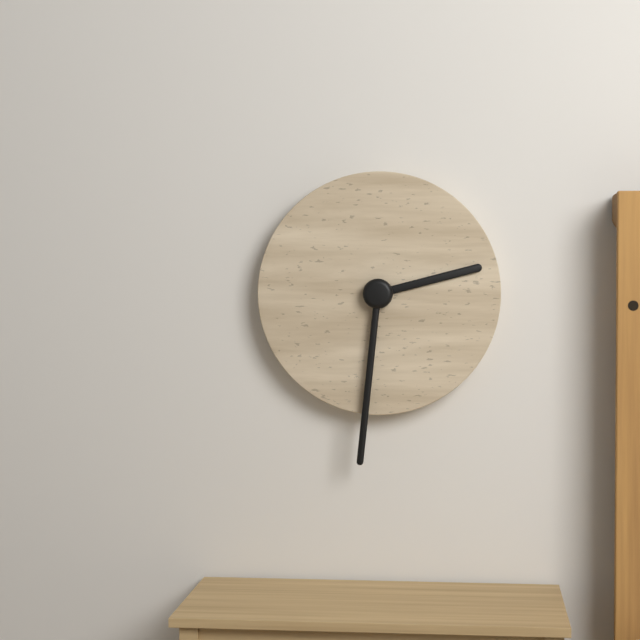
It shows {"hour": 2, "minute": 31}
